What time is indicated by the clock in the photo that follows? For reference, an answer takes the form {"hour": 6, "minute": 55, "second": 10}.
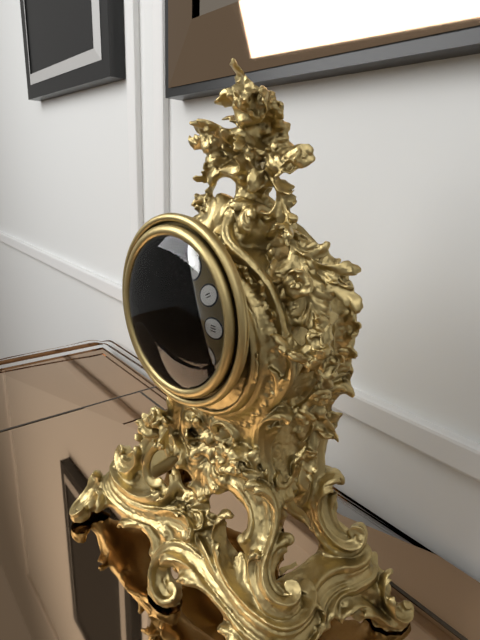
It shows {"hour": 1, "minute": 29, "second": 53}
